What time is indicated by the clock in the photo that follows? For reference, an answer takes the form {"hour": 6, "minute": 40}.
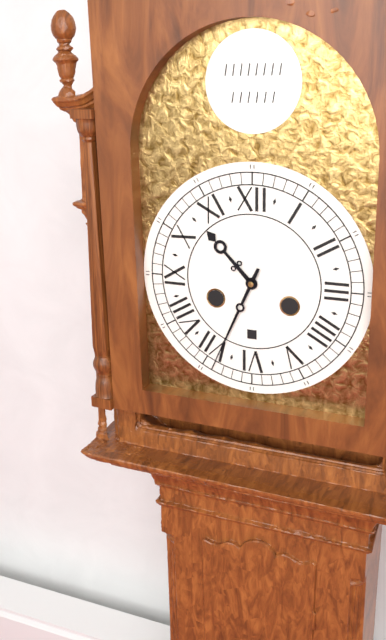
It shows {"hour": 10, "minute": 34}
